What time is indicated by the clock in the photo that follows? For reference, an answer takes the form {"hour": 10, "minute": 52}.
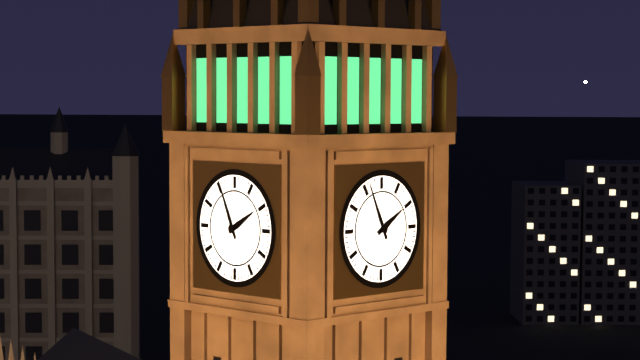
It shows {"hour": 1, "minute": 56}
